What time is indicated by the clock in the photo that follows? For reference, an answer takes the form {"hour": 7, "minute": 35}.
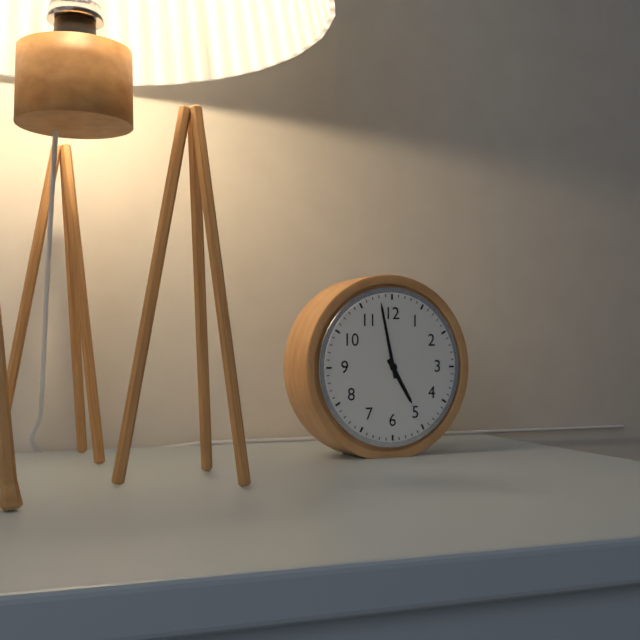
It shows {"hour": 4, "minute": 58}
